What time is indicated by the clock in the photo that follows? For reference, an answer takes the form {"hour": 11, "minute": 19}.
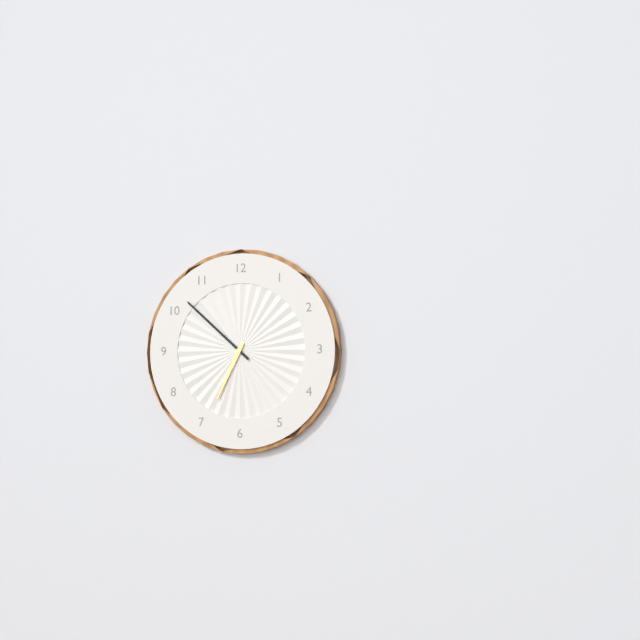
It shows {"hour": 6, "minute": 52}
